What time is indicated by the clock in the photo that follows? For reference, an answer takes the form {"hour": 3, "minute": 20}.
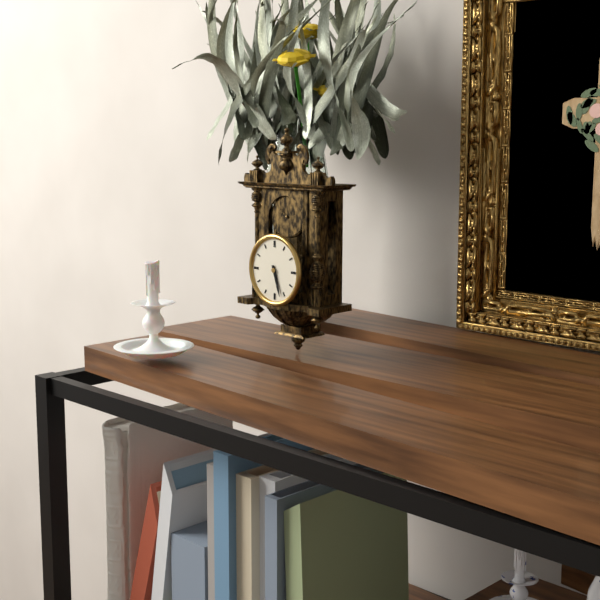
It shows {"hour": 5, "minute": 27}
